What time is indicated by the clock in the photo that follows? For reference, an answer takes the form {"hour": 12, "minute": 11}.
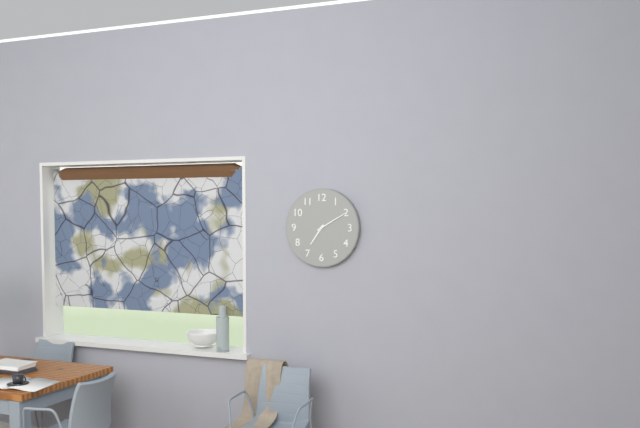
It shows {"hour": 7, "minute": 10}
